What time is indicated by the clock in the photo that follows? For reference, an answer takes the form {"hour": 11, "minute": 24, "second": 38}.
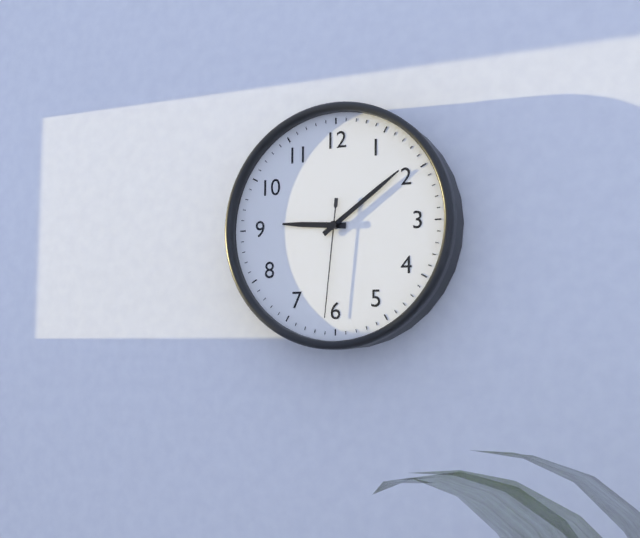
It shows {"hour": 9, "minute": 9, "second": 31}
